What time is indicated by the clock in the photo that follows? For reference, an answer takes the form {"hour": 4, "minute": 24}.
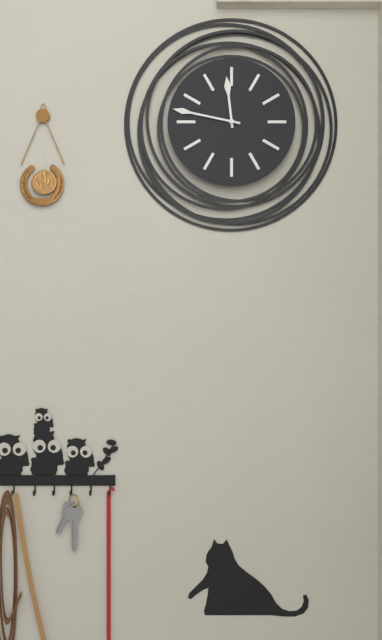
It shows {"hour": 11, "minute": 47}
